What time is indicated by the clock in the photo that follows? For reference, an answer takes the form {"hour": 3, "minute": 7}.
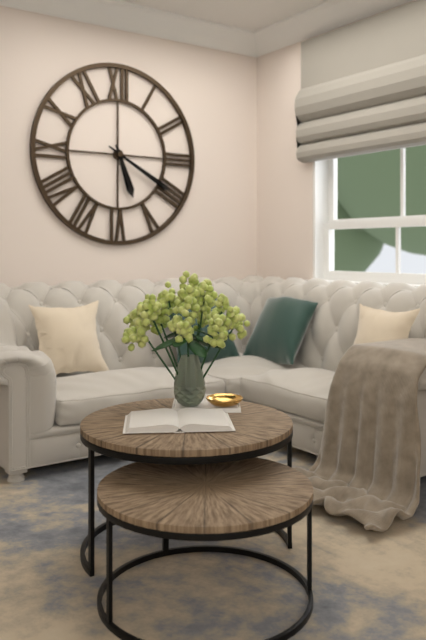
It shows {"hour": 5, "minute": 20}
